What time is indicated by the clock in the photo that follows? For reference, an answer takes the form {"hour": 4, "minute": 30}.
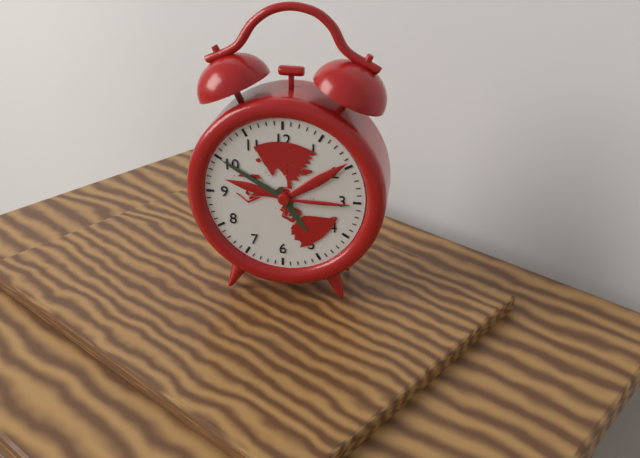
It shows {"hour": 4, "minute": 50}
